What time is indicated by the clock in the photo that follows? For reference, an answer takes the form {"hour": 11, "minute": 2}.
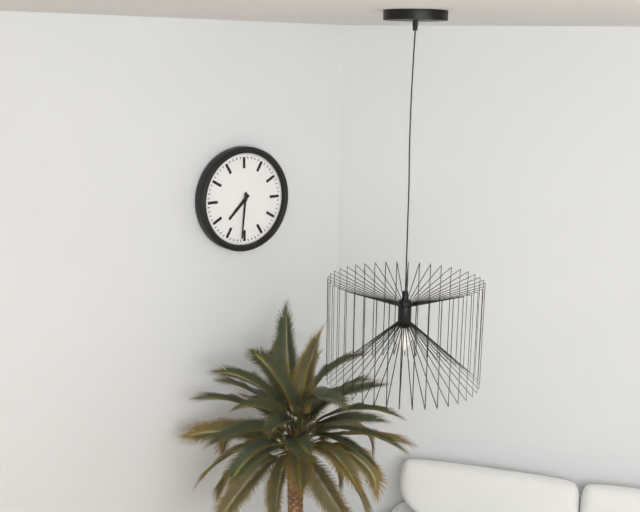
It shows {"hour": 7, "minute": 31}
